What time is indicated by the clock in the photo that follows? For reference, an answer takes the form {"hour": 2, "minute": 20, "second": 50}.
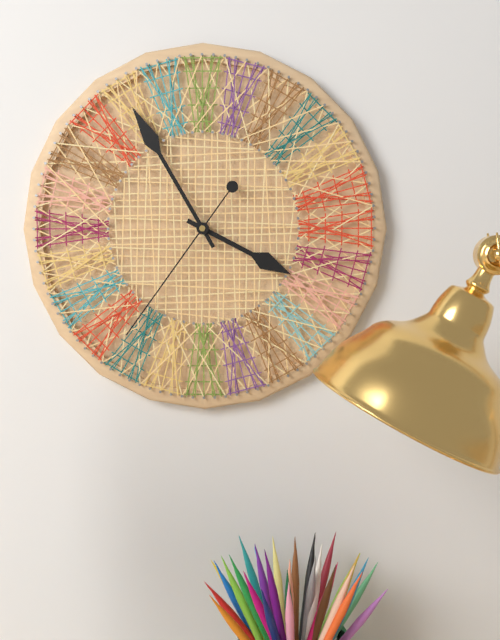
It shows {"hour": 3, "minute": 55, "second": 36}
